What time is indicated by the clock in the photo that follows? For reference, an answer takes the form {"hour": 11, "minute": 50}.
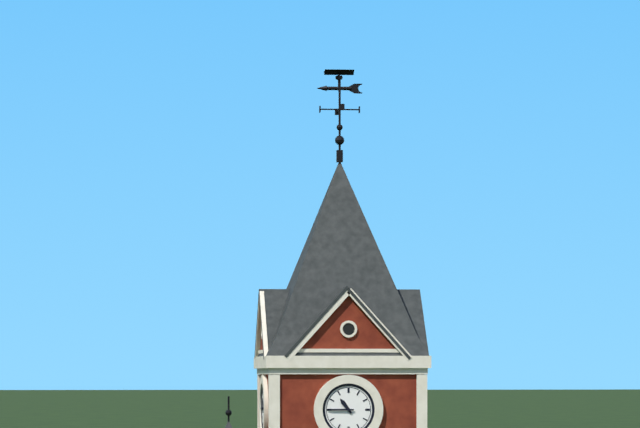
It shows {"hour": 10, "minute": 45}
